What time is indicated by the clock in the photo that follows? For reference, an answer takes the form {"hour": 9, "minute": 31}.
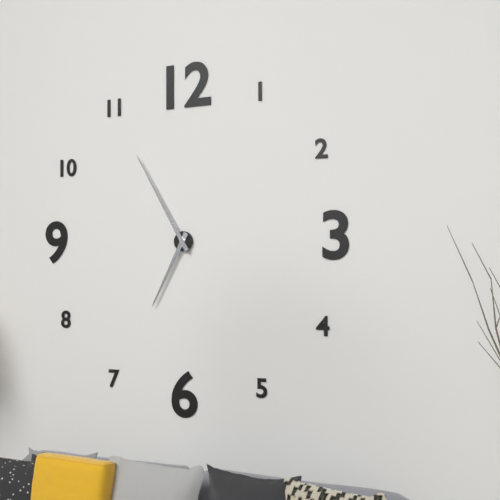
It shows {"hour": 6, "minute": 55}
